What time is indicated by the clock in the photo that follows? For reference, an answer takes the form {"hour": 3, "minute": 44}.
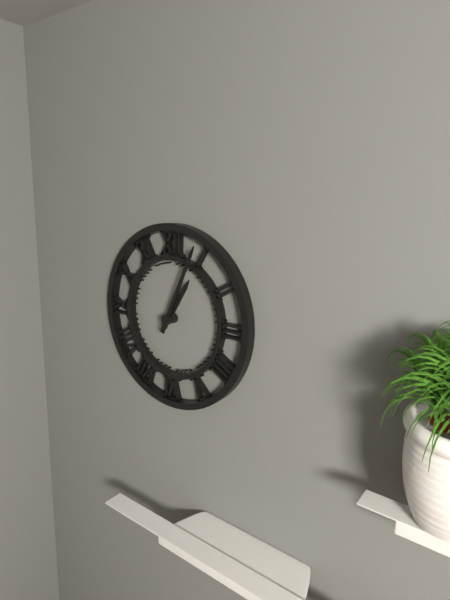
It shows {"hour": 1, "minute": 4}
